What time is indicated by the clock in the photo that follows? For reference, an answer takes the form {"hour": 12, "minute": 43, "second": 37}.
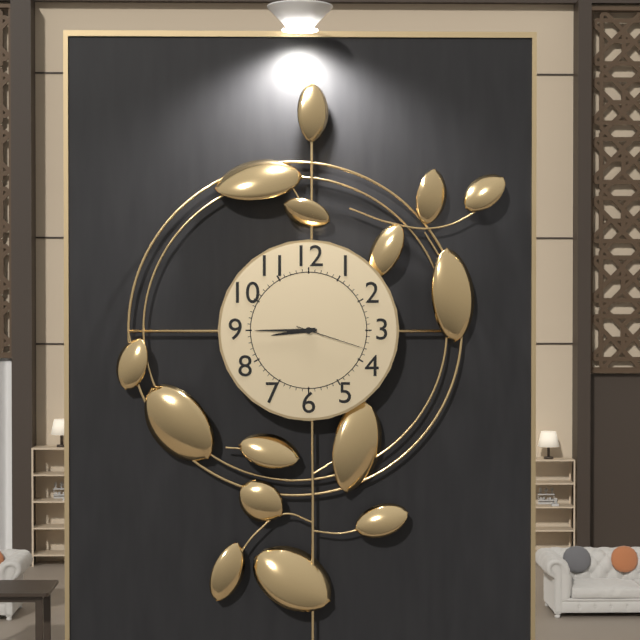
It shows {"hour": 8, "minute": 45, "second": 18}
